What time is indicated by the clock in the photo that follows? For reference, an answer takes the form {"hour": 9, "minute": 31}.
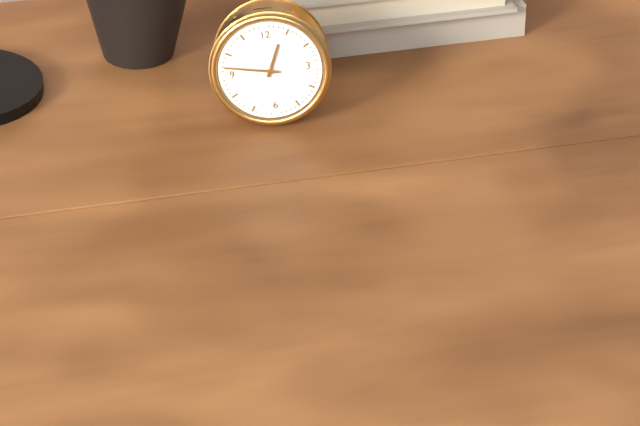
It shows {"hour": 12, "minute": 47}
